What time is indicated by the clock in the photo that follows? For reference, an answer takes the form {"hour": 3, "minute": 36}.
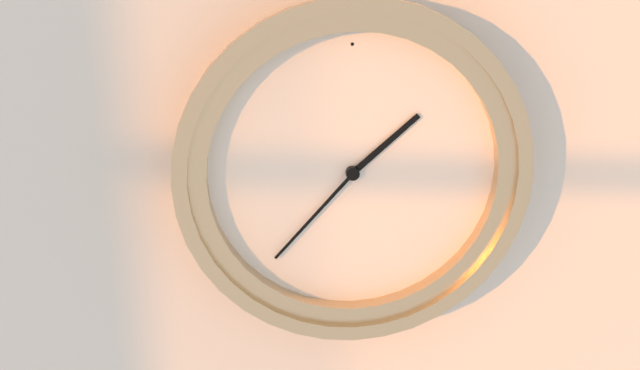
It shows {"hour": 1, "minute": 37}
